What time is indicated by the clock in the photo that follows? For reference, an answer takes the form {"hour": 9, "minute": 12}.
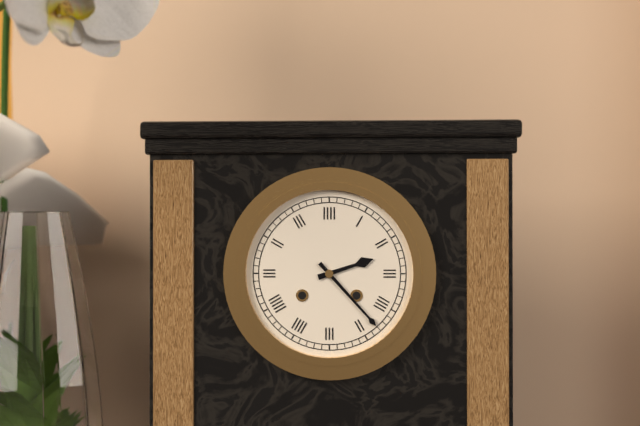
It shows {"hour": 2, "minute": 23}
